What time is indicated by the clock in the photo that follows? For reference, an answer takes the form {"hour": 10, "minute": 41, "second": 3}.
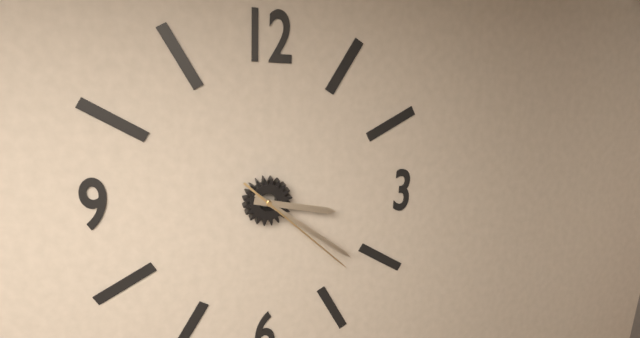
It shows {"hour": 3, "minute": 21, "second": 22}
